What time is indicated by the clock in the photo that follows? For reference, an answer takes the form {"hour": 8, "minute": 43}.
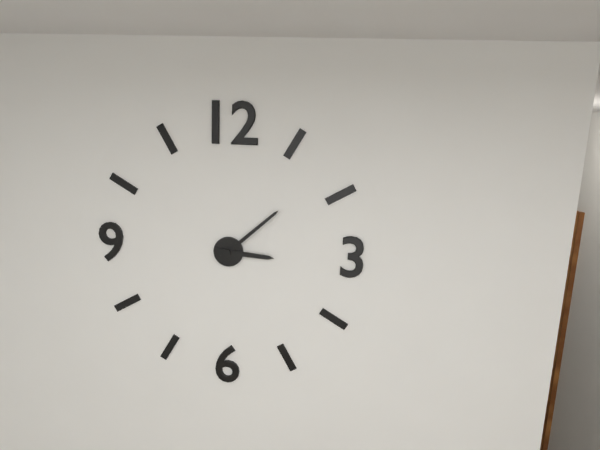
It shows {"hour": 3, "minute": 8}
